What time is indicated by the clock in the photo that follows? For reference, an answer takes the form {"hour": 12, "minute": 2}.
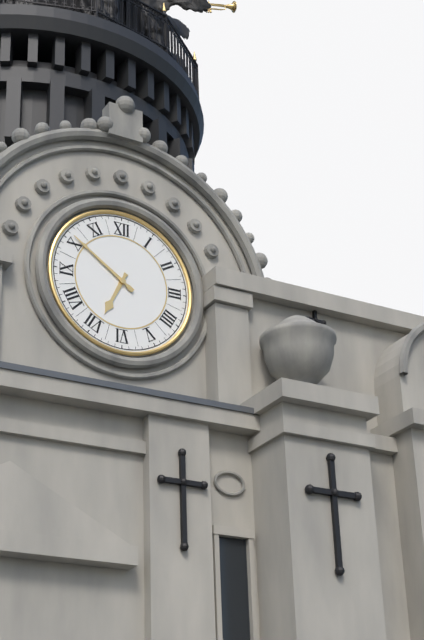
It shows {"hour": 6, "minute": 51}
